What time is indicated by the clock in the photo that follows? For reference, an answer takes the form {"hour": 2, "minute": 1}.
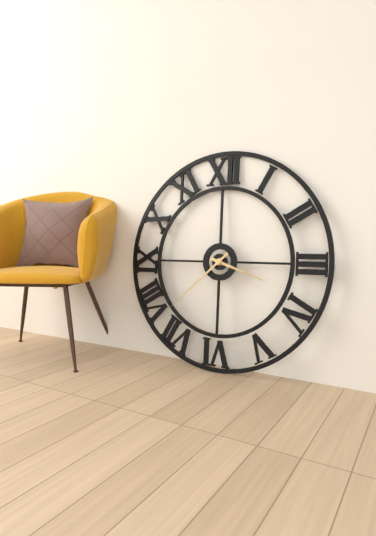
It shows {"hour": 3, "minute": 38}
